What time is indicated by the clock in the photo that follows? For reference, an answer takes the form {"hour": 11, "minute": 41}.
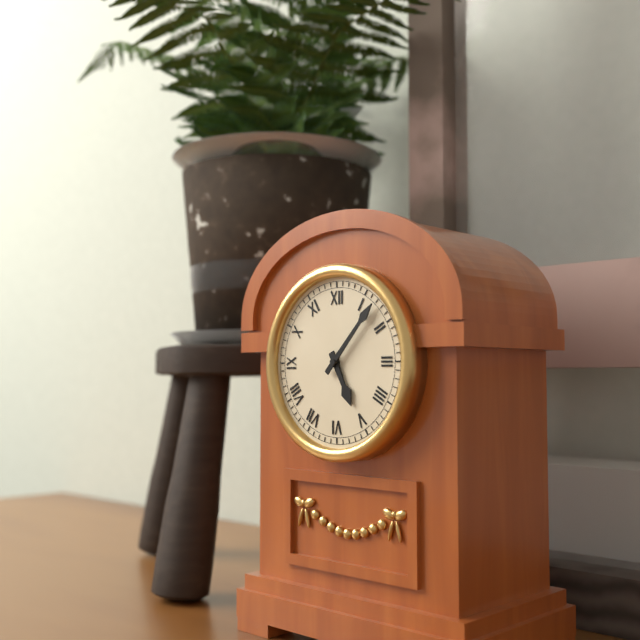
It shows {"hour": 5, "minute": 7}
